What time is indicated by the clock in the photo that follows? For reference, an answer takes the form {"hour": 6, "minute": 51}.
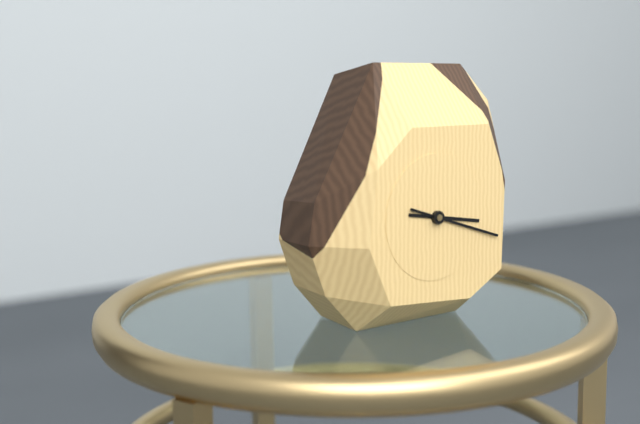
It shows {"hour": 3, "minute": 18}
